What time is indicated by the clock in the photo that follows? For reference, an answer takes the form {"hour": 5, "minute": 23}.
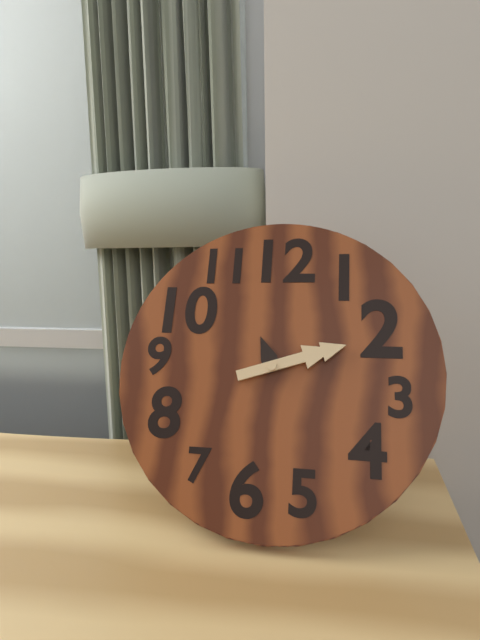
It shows {"hour": 11, "minute": 12}
